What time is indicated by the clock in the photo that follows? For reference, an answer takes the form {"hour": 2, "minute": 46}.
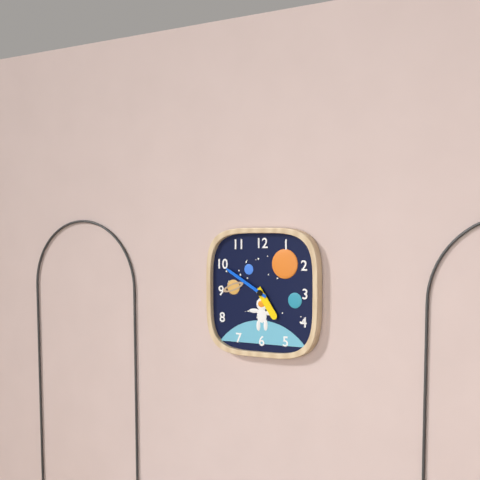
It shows {"hour": 4, "minute": 50}
